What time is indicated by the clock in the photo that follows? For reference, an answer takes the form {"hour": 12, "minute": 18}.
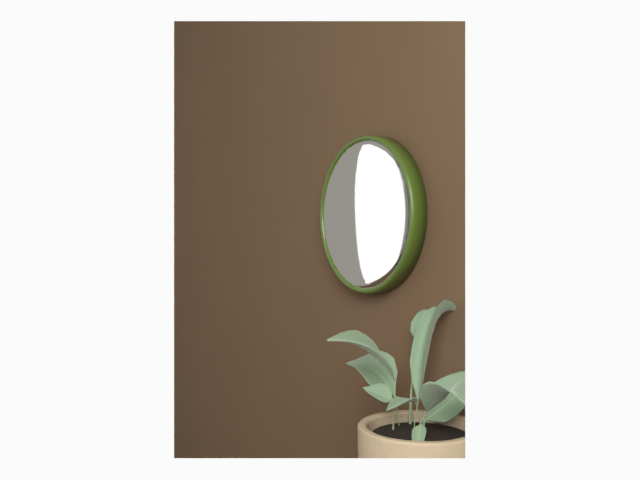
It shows {"hour": 4, "minute": 24}
